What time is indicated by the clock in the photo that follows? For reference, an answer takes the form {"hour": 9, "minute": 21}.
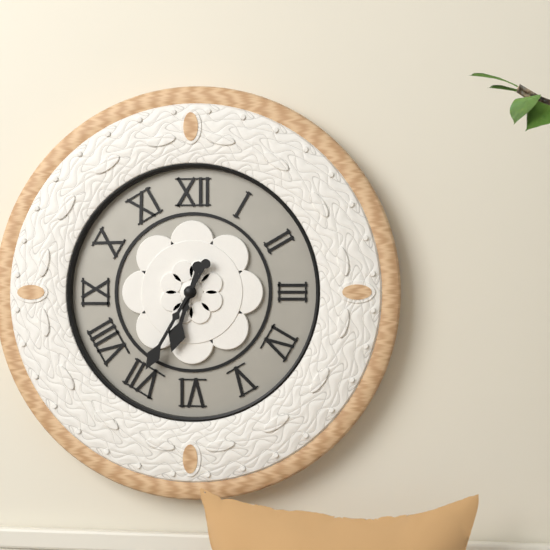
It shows {"hour": 6, "minute": 35}
